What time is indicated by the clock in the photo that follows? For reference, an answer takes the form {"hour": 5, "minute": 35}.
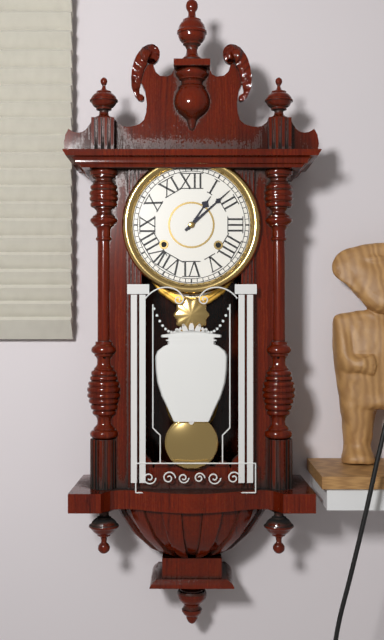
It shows {"hour": 1, "minute": 8}
